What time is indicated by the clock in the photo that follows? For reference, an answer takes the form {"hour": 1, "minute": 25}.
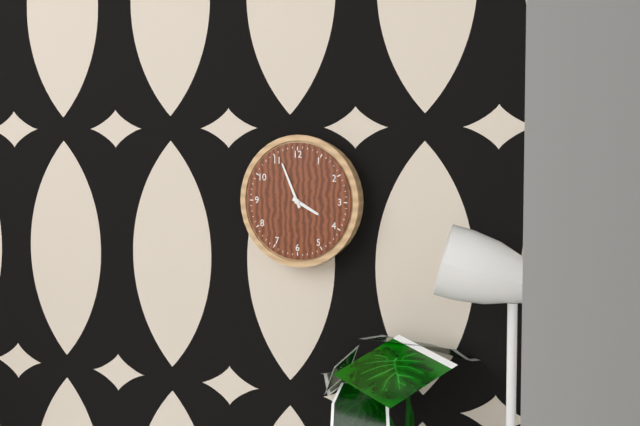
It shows {"hour": 3, "minute": 56}
